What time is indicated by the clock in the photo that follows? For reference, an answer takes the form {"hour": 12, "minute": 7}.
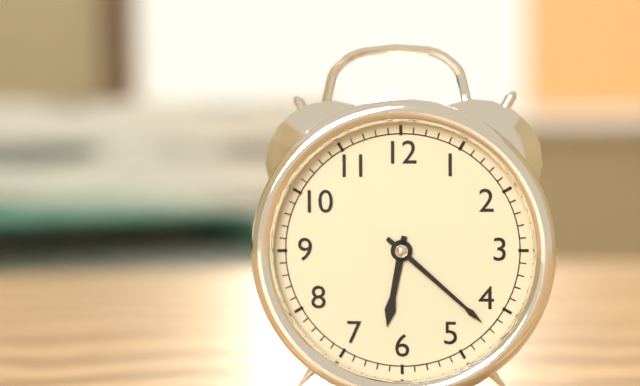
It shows {"hour": 6, "minute": 22}
